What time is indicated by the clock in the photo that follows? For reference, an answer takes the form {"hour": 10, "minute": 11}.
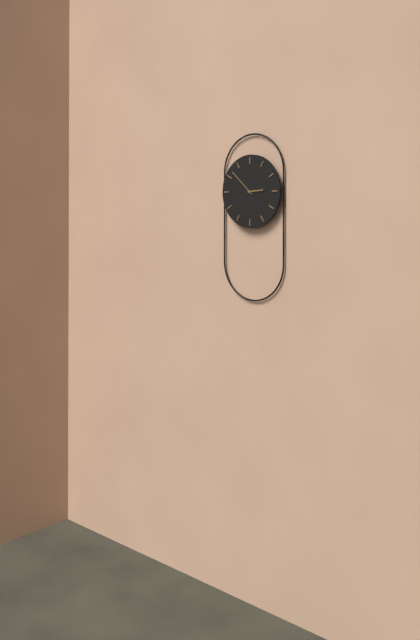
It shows {"hour": 2, "minute": 52}
